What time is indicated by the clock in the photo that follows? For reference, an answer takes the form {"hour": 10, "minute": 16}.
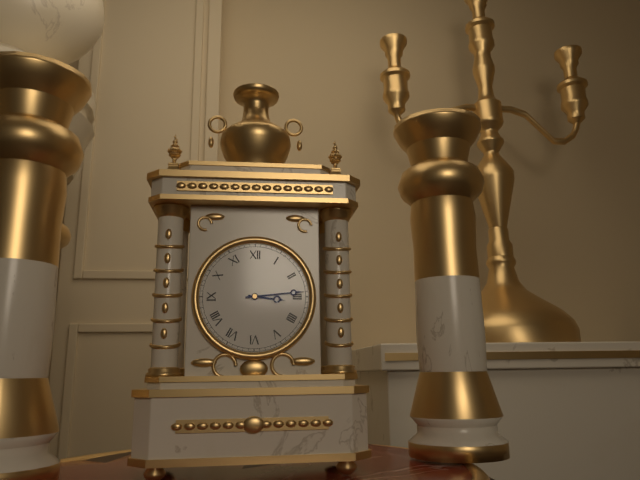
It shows {"hour": 3, "minute": 14}
